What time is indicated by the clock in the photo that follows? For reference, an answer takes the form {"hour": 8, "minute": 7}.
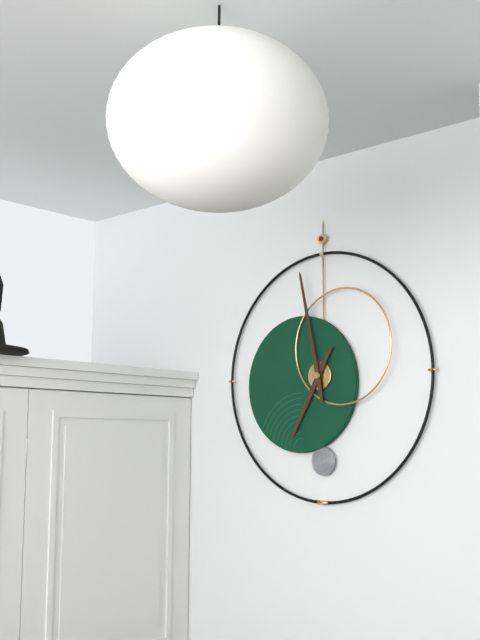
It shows {"hour": 6, "minute": 58}
